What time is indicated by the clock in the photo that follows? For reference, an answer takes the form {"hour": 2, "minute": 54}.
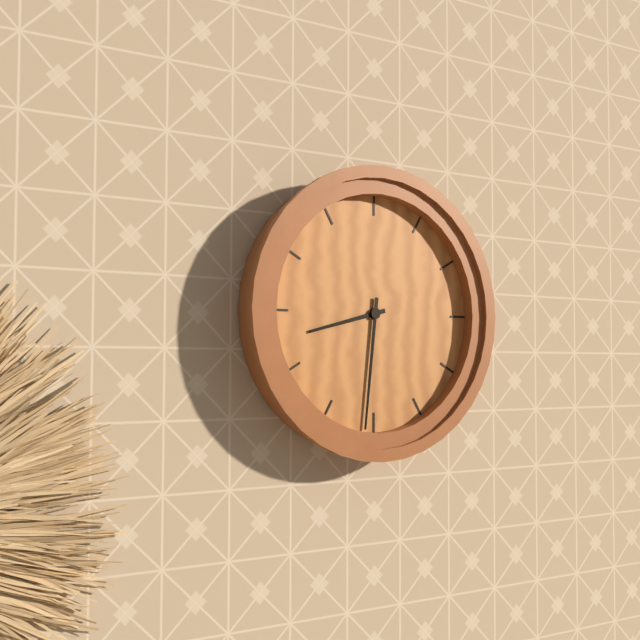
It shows {"hour": 8, "minute": 31}
